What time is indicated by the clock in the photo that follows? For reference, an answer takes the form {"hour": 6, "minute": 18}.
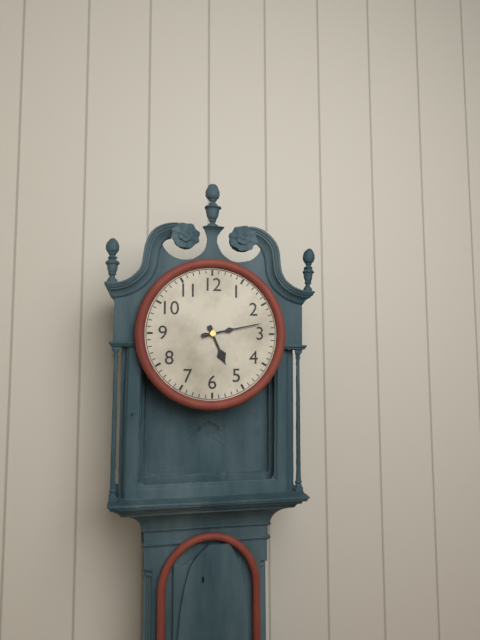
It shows {"hour": 5, "minute": 13}
